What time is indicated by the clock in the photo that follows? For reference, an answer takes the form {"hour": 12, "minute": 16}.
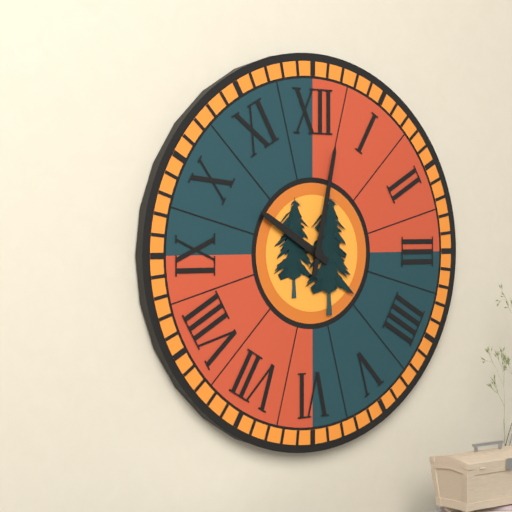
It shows {"hour": 10, "minute": 2}
